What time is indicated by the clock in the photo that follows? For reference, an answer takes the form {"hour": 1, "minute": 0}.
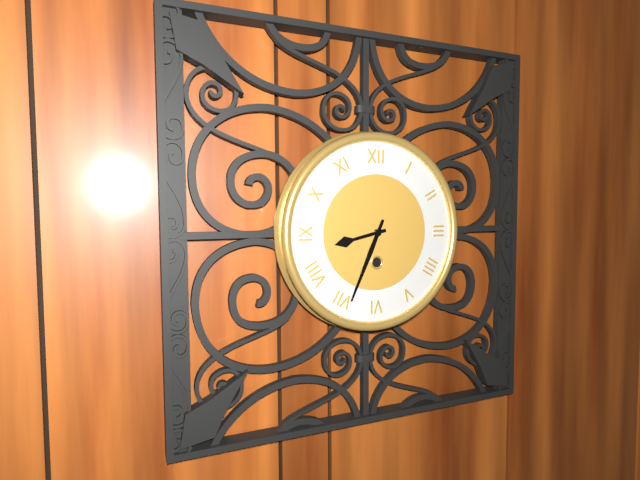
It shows {"hour": 8, "minute": 34}
